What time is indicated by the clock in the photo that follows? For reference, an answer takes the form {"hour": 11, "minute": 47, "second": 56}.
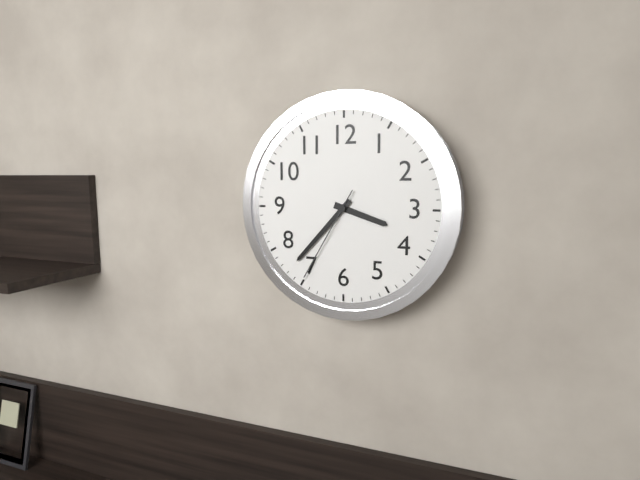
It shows {"hour": 3, "minute": 37, "second": 35}
